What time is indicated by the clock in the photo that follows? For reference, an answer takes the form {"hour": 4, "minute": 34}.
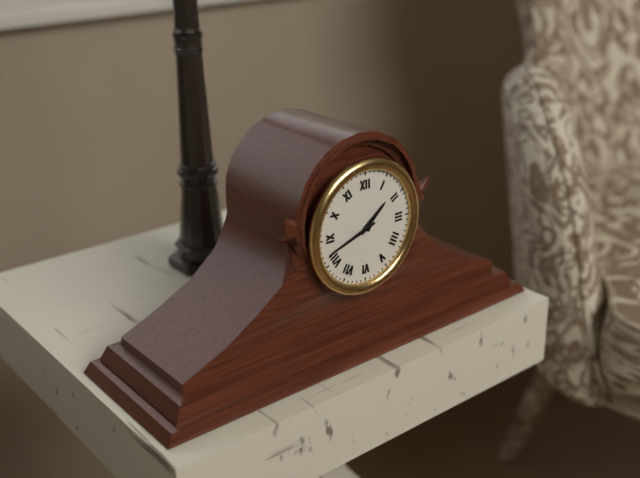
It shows {"hour": 1, "minute": 42}
